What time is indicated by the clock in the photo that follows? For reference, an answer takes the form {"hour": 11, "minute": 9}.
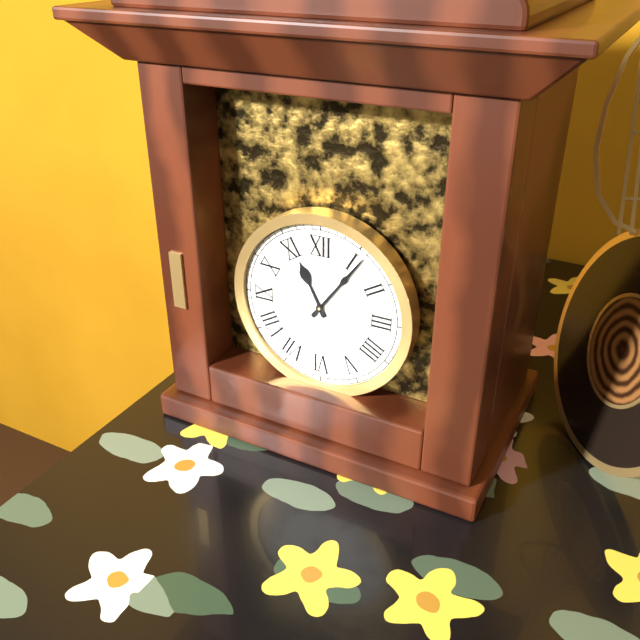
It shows {"hour": 11, "minute": 6}
